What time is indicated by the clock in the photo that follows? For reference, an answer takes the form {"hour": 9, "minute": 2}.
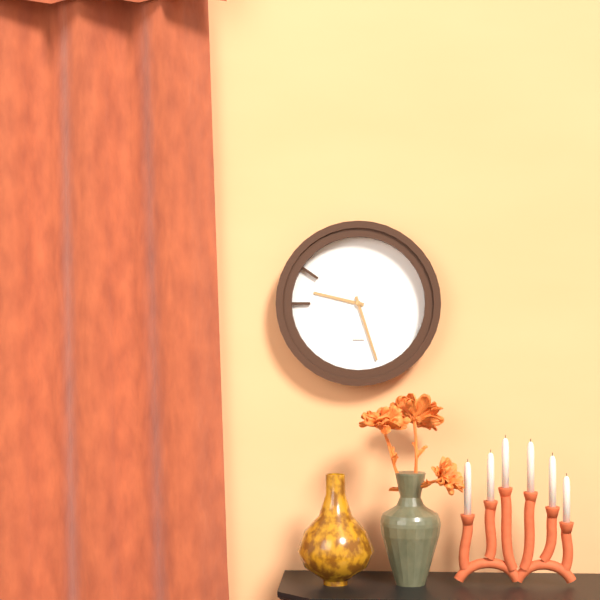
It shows {"hour": 9, "minute": 27}
